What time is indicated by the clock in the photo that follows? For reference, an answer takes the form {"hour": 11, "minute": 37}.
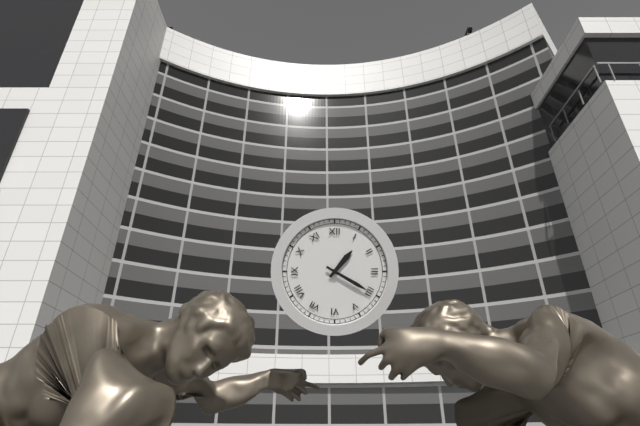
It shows {"hour": 1, "minute": 20}
